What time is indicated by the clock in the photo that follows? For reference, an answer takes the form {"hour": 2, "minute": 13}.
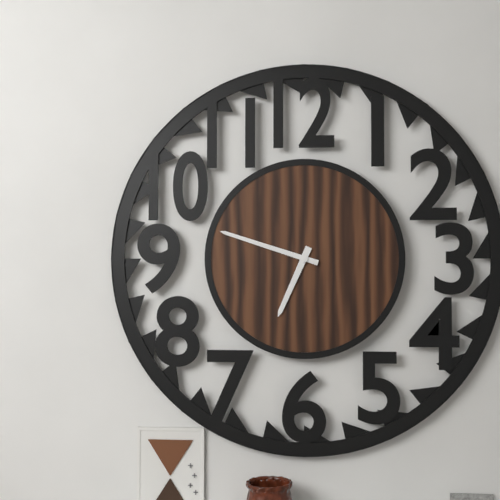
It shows {"hour": 6, "minute": 48}
